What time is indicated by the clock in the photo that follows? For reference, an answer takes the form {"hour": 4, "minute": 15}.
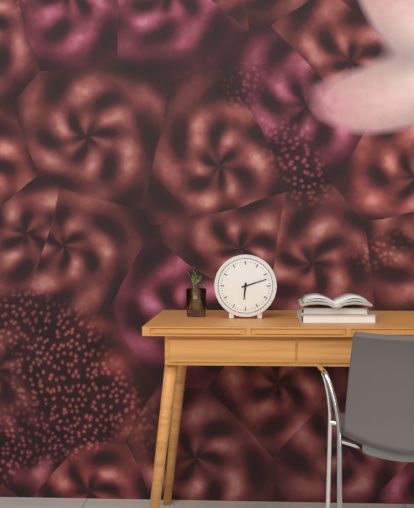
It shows {"hour": 6, "minute": 12}
